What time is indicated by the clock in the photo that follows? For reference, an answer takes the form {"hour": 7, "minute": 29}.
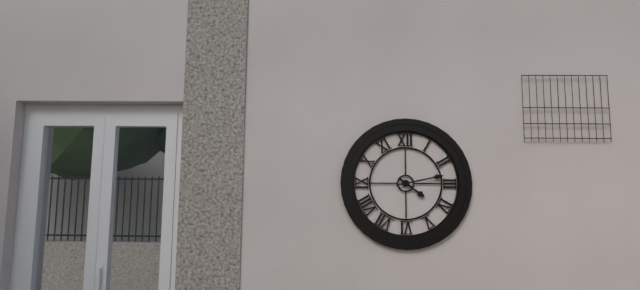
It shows {"hour": 4, "minute": 13}
